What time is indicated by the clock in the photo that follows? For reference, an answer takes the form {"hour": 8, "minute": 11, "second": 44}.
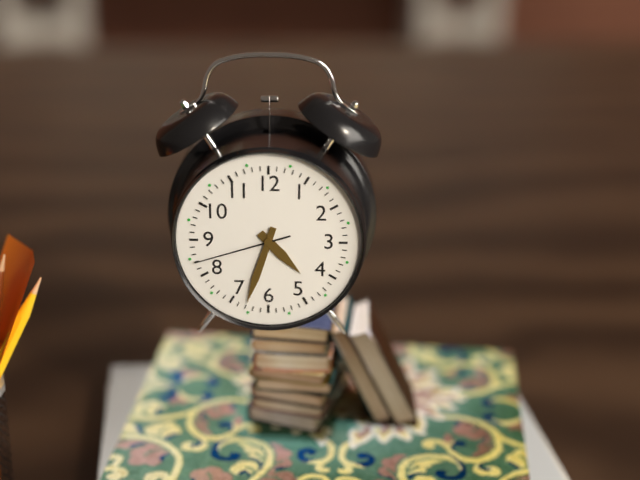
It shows {"hour": 4, "minute": 33, "second": 42}
